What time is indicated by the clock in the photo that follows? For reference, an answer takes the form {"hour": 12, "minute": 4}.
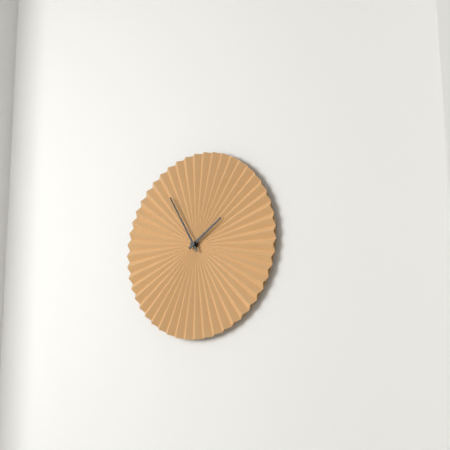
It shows {"hour": 1, "minute": 55}
